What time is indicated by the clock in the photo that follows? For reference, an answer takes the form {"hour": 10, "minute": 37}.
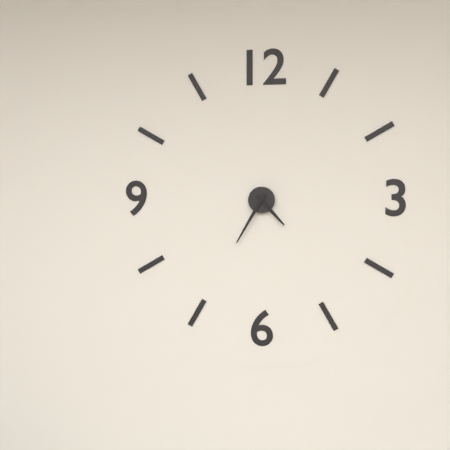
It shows {"hour": 4, "minute": 35}
